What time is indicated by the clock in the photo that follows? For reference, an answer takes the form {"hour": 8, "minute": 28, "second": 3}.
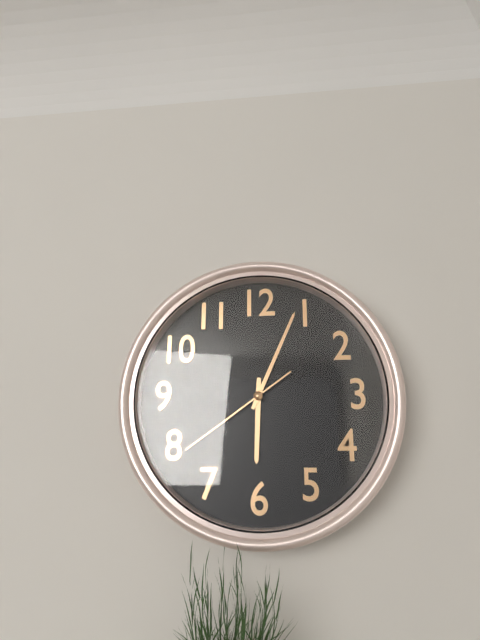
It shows {"hour": 6, "minute": 4, "second": 39}
